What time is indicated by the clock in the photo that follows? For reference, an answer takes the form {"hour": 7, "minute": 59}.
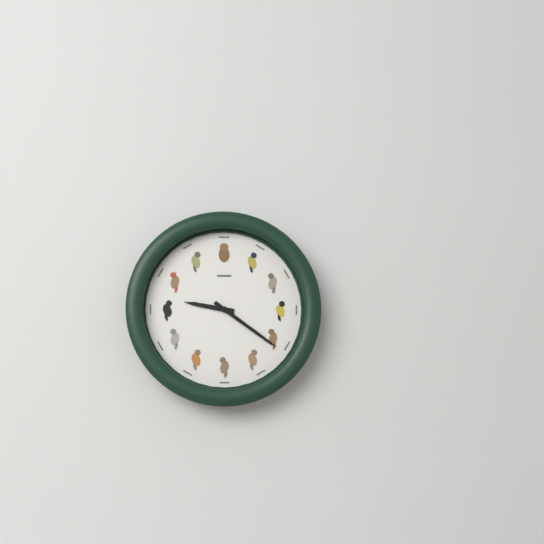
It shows {"hour": 9, "minute": 21}
